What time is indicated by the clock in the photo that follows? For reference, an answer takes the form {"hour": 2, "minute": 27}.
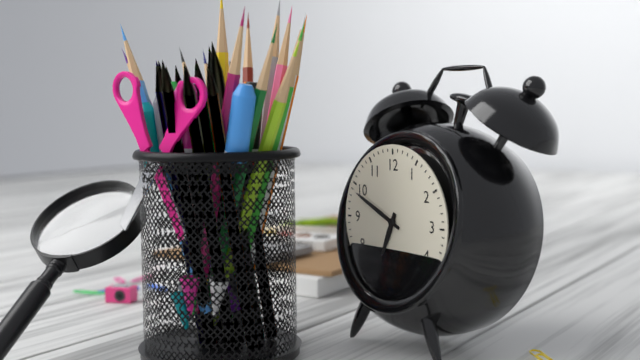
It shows {"hour": 6, "minute": 49}
